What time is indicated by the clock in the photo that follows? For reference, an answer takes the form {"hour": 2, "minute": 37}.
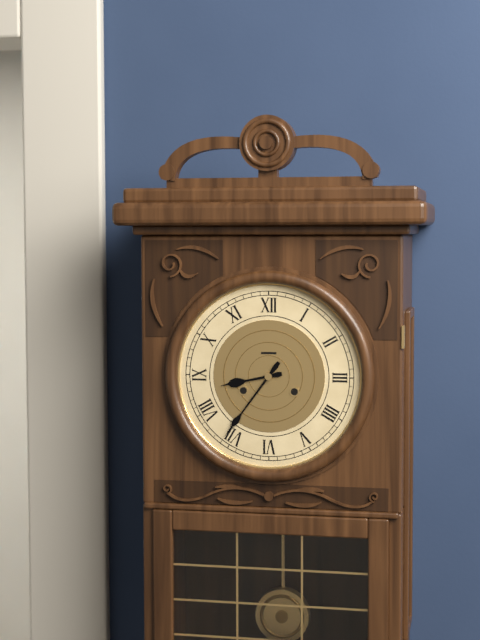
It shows {"hour": 8, "minute": 36}
